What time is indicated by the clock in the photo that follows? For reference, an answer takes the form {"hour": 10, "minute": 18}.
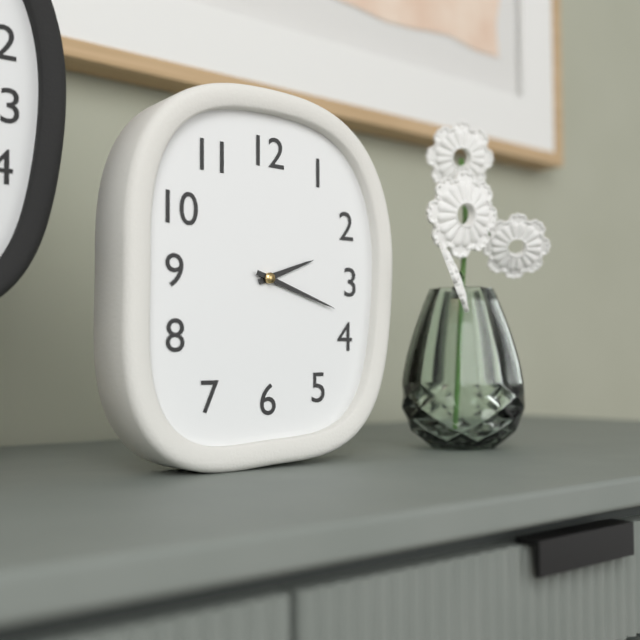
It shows {"hour": 2, "minute": 18}
